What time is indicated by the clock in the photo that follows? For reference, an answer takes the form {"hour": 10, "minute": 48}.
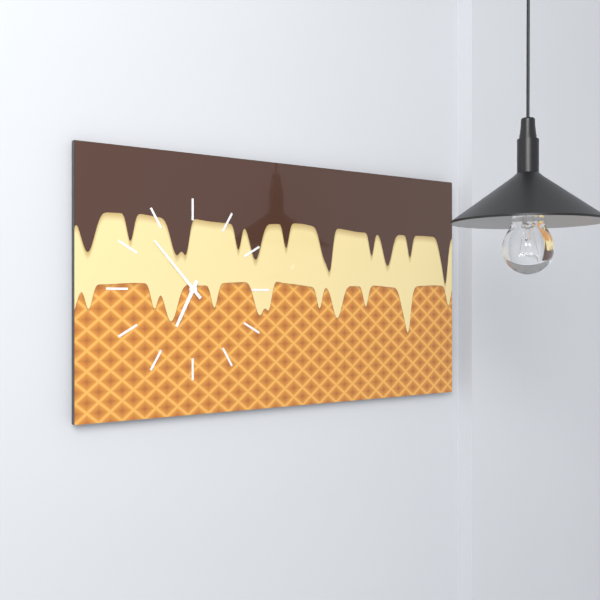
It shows {"hour": 6, "minute": 53}
